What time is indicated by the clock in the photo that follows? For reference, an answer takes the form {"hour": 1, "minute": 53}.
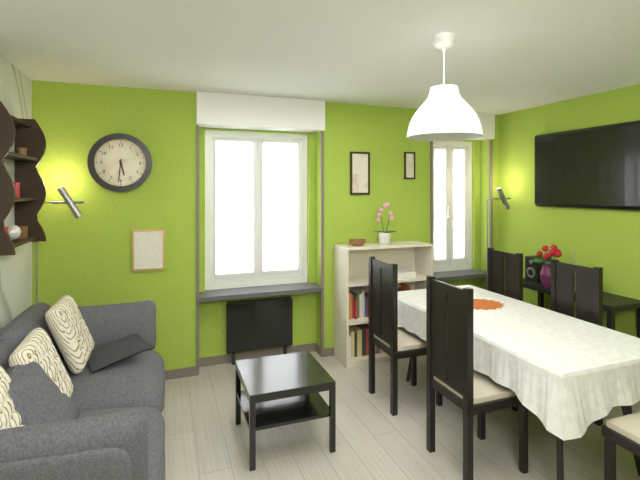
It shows {"hour": 5, "minute": 31}
